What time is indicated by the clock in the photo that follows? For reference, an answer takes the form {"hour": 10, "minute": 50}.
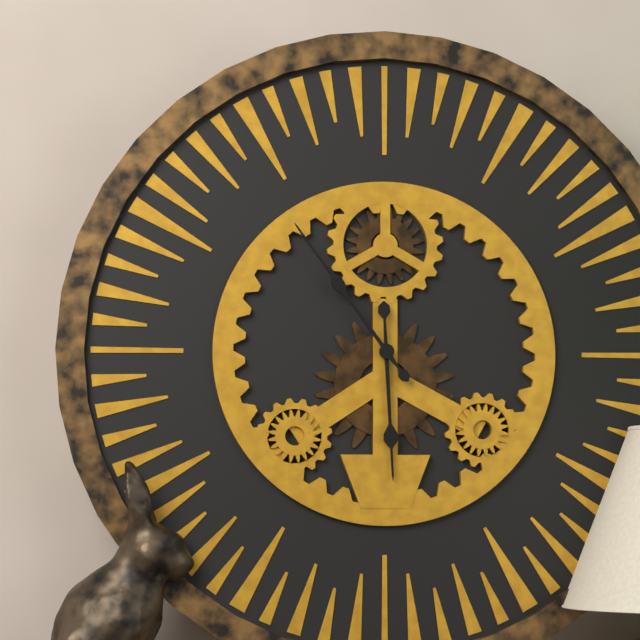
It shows {"hour": 5, "minute": 54}
